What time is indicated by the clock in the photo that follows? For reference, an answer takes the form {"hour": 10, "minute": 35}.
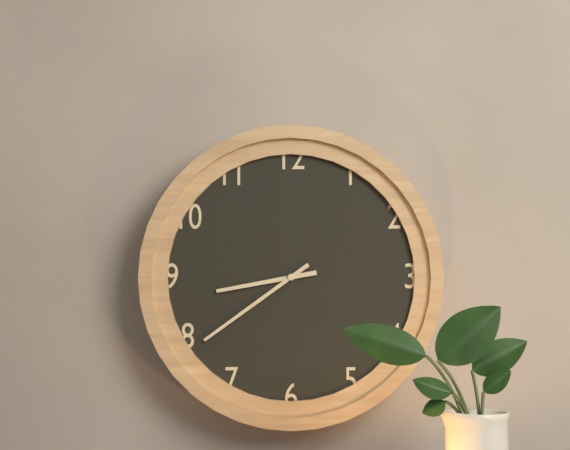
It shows {"hour": 8, "minute": 39}
